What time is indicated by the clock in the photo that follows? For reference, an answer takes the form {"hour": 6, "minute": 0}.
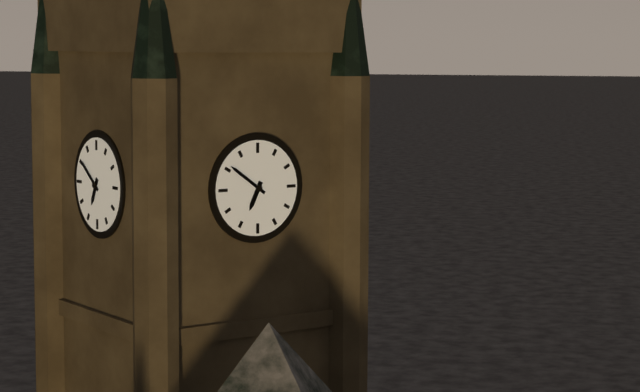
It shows {"hour": 6, "minute": 51}
